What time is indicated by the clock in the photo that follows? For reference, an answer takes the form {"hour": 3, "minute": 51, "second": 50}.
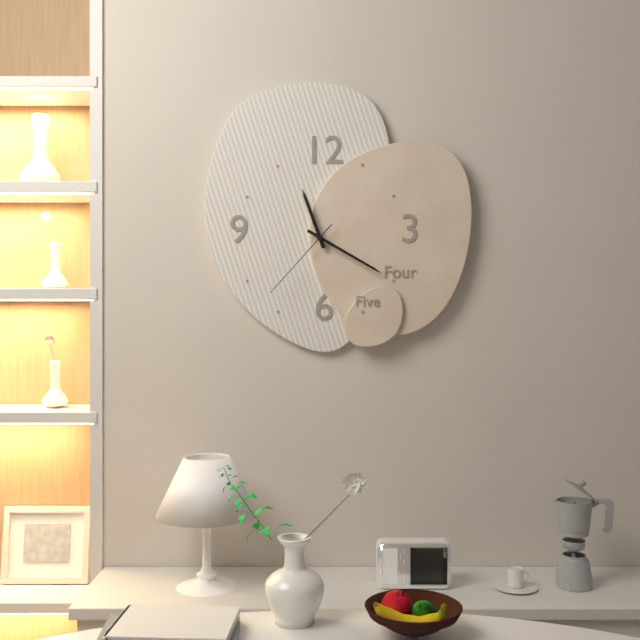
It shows {"hour": 11, "minute": 20, "second": 37}
